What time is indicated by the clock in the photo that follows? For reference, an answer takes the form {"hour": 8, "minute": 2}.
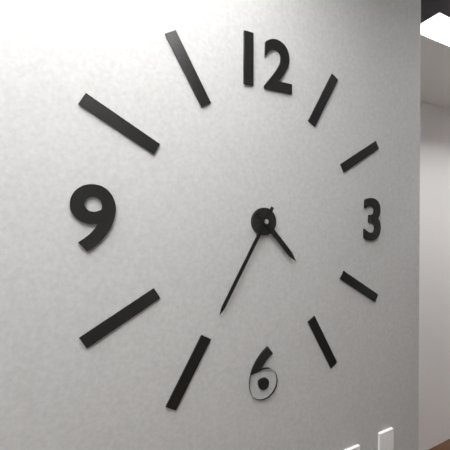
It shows {"hour": 4, "minute": 35}
